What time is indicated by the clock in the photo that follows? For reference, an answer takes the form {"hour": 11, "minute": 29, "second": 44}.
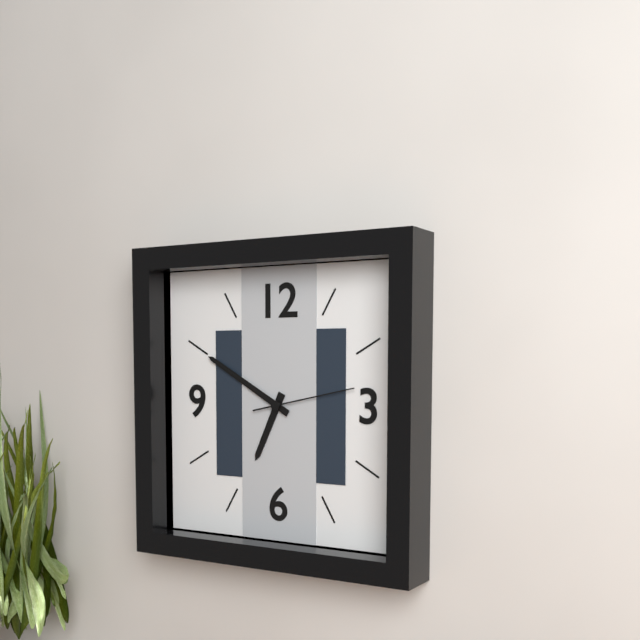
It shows {"hour": 6, "minute": 50, "second": 13}
